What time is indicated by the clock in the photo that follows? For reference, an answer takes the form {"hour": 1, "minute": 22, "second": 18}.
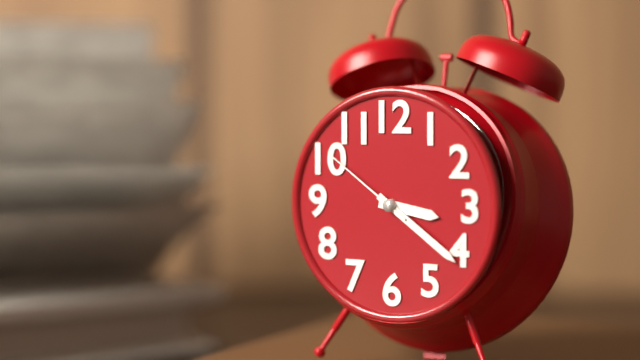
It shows {"hour": 3, "minute": 21, "second": 51}
